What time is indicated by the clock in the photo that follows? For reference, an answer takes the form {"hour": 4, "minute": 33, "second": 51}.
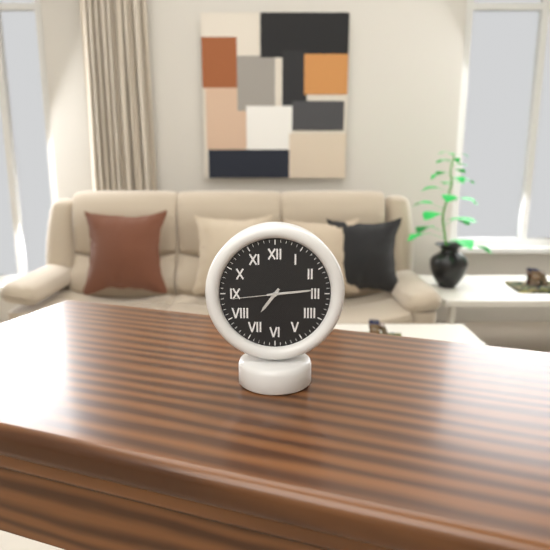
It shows {"hour": 7, "minute": 14, "second": 44}
